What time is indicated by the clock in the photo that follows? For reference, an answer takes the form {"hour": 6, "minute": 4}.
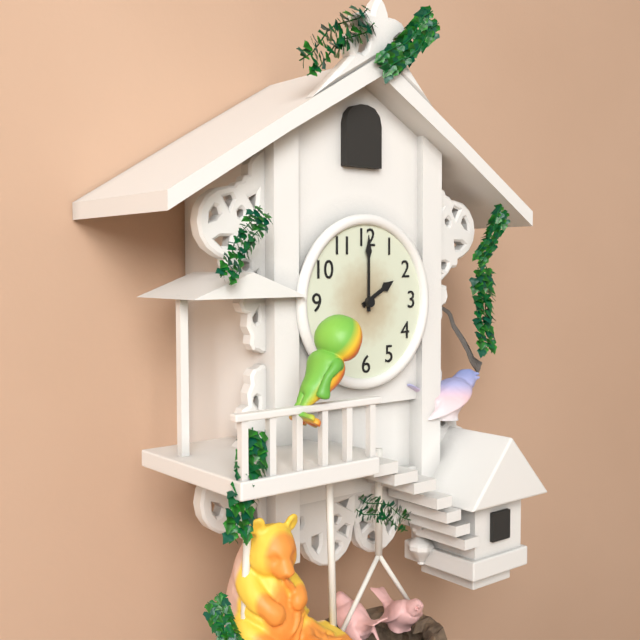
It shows {"hour": 2, "minute": 0}
